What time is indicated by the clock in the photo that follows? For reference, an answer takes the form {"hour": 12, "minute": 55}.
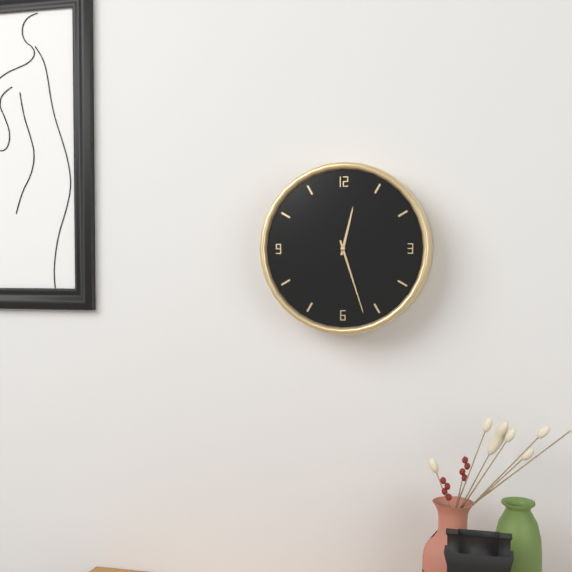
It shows {"hour": 12, "minute": 27}
